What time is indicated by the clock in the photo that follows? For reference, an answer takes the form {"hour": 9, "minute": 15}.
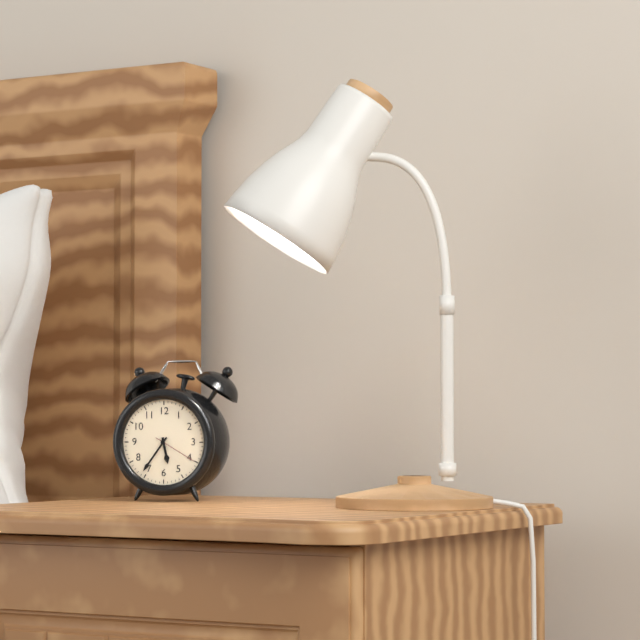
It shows {"hour": 5, "minute": 36}
